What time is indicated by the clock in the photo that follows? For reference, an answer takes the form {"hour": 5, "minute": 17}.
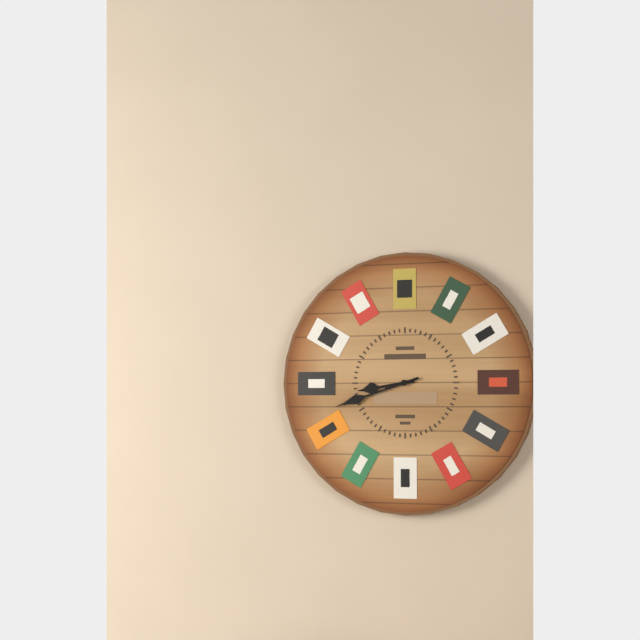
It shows {"hour": 8, "minute": 42}
